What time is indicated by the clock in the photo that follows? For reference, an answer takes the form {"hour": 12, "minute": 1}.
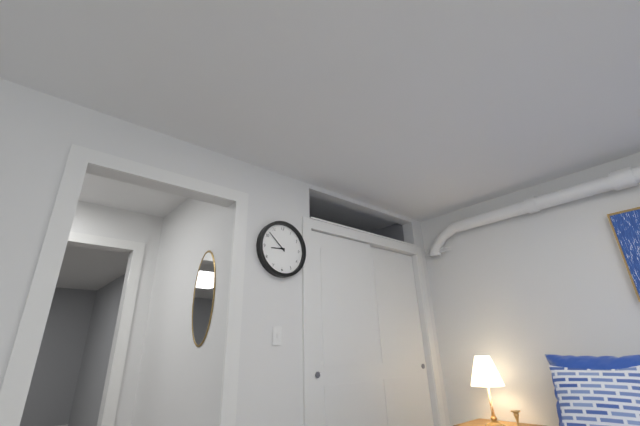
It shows {"hour": 8, "minute": 52}
